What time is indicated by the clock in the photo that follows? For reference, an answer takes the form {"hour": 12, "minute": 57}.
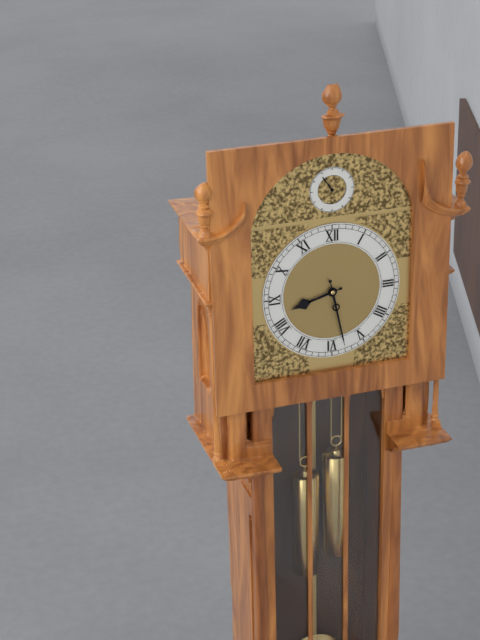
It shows {"hour": 8, "minute": 28}
